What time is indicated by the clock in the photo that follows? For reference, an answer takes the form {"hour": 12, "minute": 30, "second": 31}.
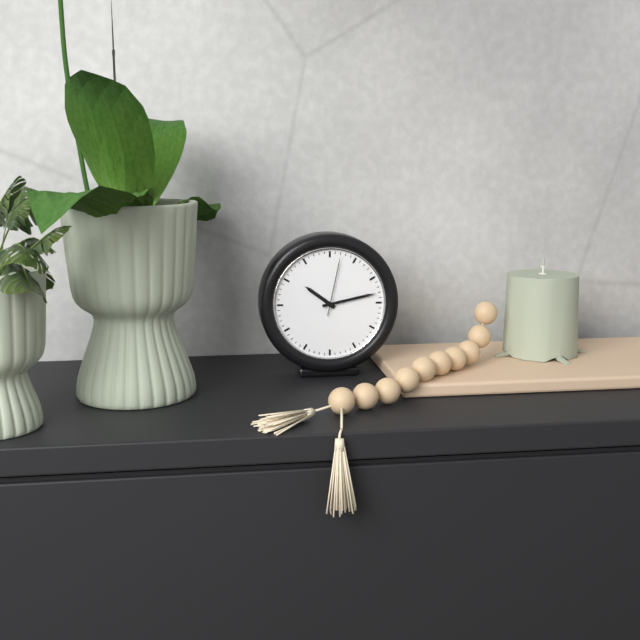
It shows {"hour": 10, "minute": 13, "second": 2}
